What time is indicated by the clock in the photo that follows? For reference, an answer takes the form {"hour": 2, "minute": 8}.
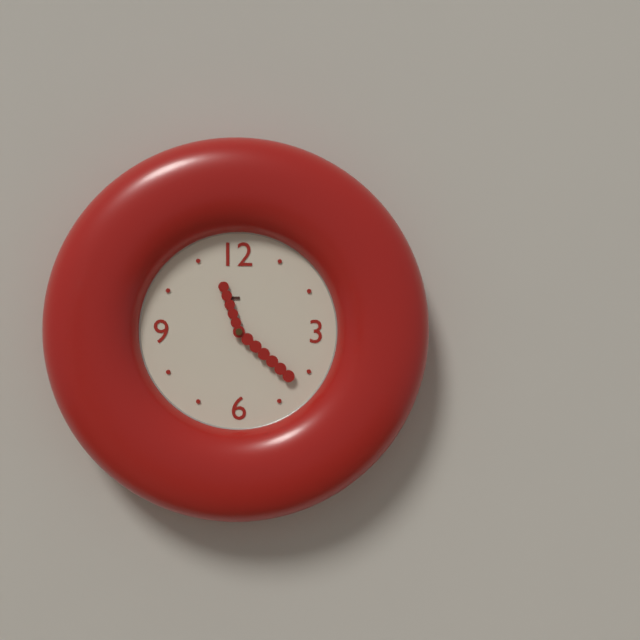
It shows {"hour": 11, "minute": 22}
